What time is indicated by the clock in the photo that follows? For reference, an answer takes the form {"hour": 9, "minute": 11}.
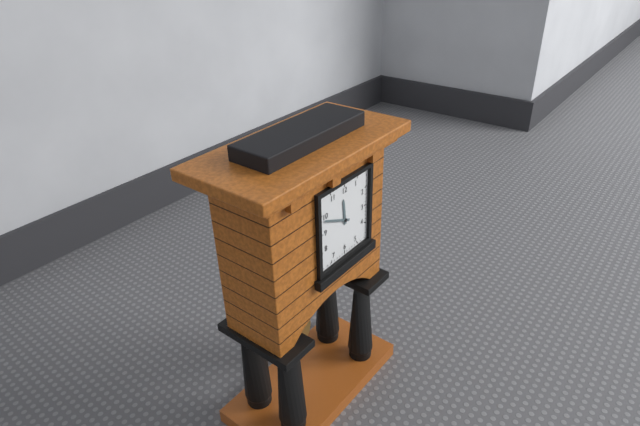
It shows {"hour": 11, "minute": 49}
